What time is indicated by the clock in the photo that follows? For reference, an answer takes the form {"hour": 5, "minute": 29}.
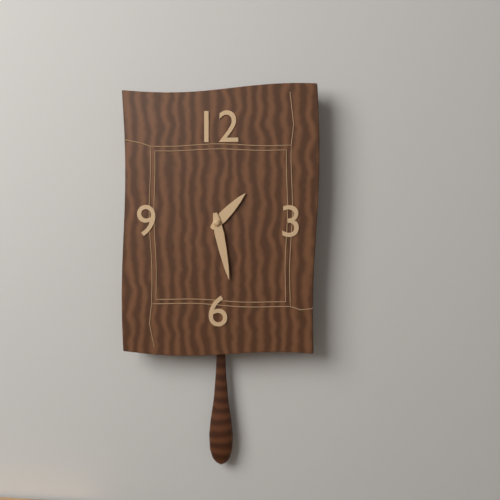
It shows {"hour": 1, "minute": 28}
